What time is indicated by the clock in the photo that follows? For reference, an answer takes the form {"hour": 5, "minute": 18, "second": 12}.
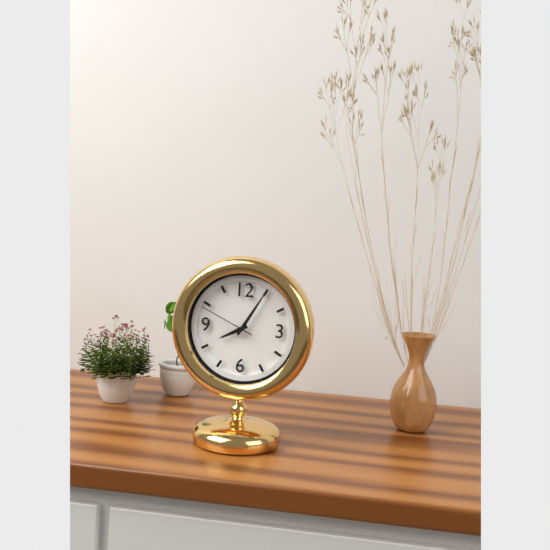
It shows {"hour": 8, "minute": 5, "second": 49}
